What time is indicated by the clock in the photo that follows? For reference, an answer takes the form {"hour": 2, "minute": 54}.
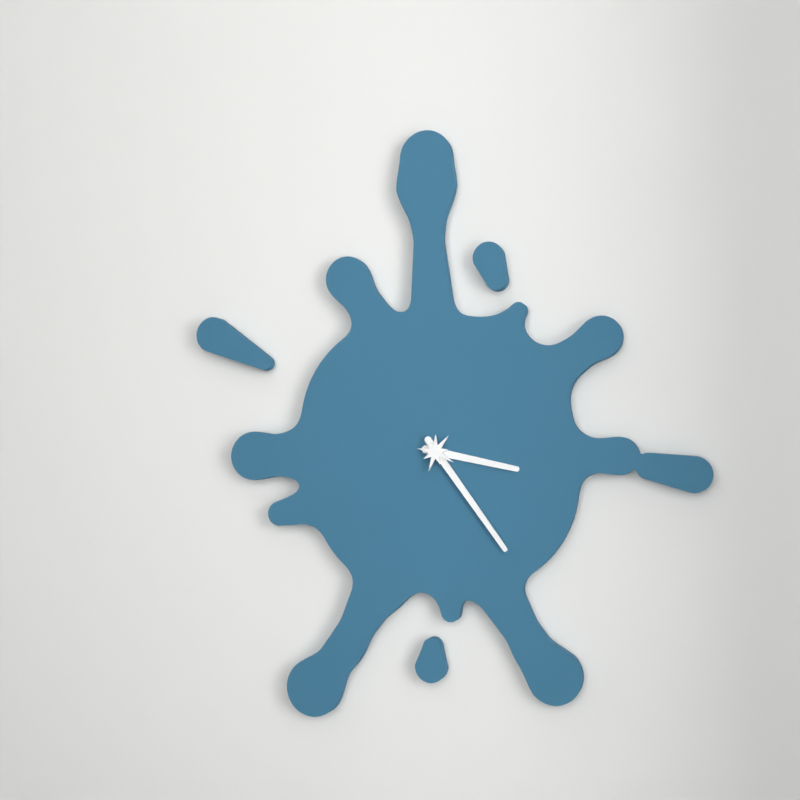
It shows {"hour": 3, "minute": 24}
